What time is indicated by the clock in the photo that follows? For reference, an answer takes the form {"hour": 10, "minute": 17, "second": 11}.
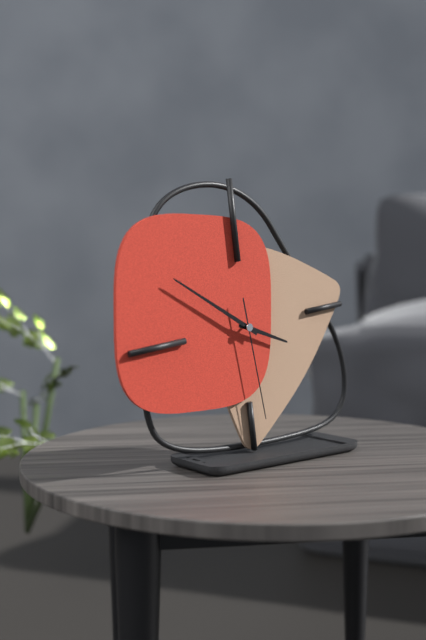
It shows {"hour": 3, "minute": 51, "second": 29}
